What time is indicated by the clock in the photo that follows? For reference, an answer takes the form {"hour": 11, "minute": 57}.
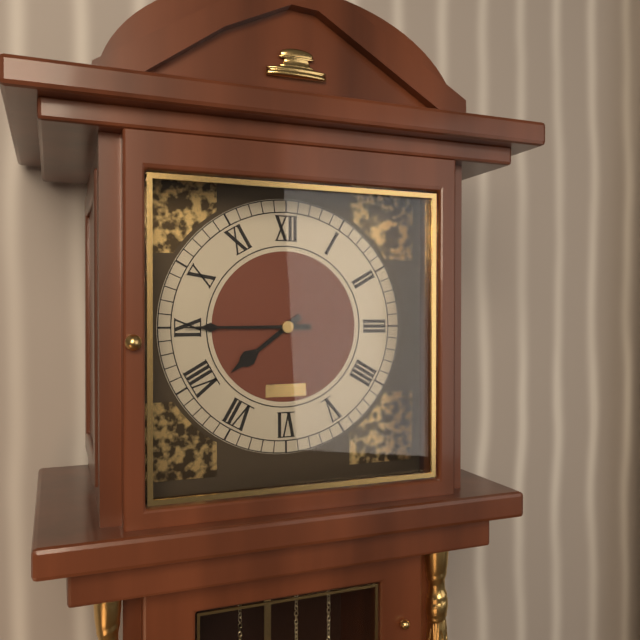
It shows {"hour": 7, "minute": 45}
